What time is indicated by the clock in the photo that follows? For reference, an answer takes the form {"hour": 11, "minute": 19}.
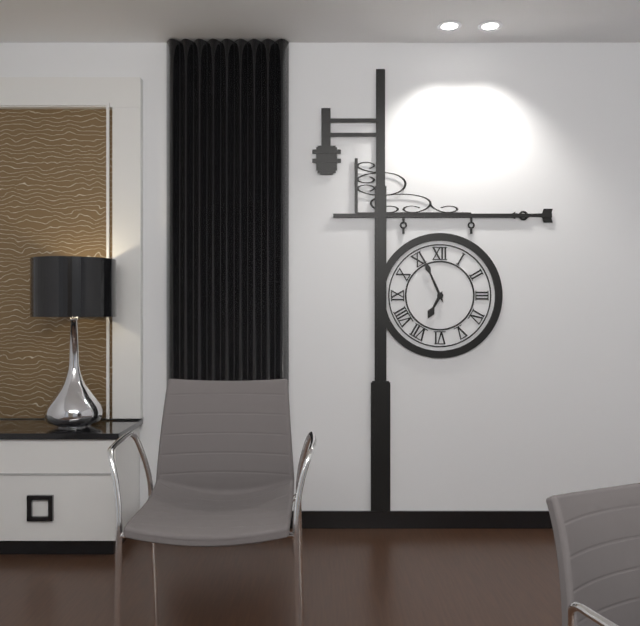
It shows {"hour": 6, "minute": 56}
